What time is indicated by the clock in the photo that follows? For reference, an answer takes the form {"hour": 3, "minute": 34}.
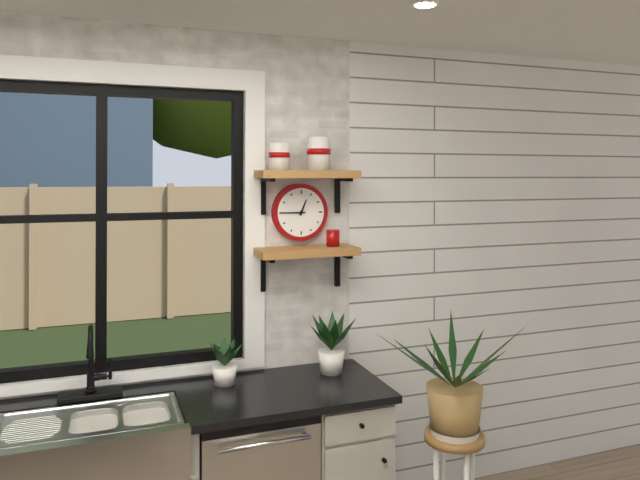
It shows {"hour": 12, "minute": 45}
